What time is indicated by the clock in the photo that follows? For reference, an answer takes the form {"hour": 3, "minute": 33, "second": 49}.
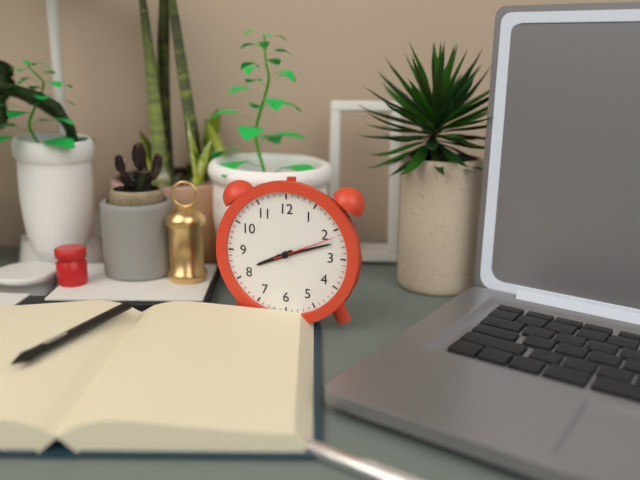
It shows {"hour": 8, "minute": 12, "second": 11}
